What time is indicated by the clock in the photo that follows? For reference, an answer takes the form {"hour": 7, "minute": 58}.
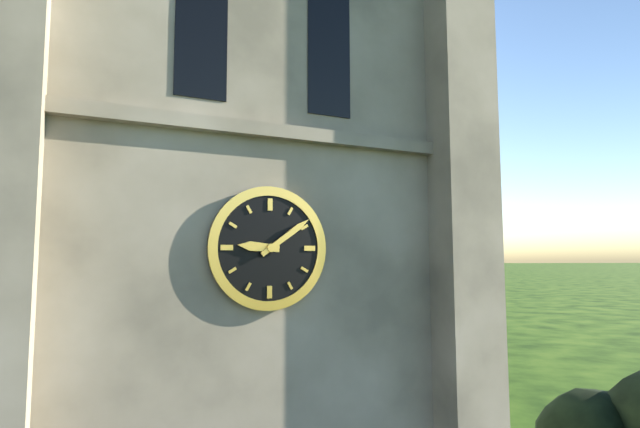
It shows {"hour": 9, "minute": 9}
